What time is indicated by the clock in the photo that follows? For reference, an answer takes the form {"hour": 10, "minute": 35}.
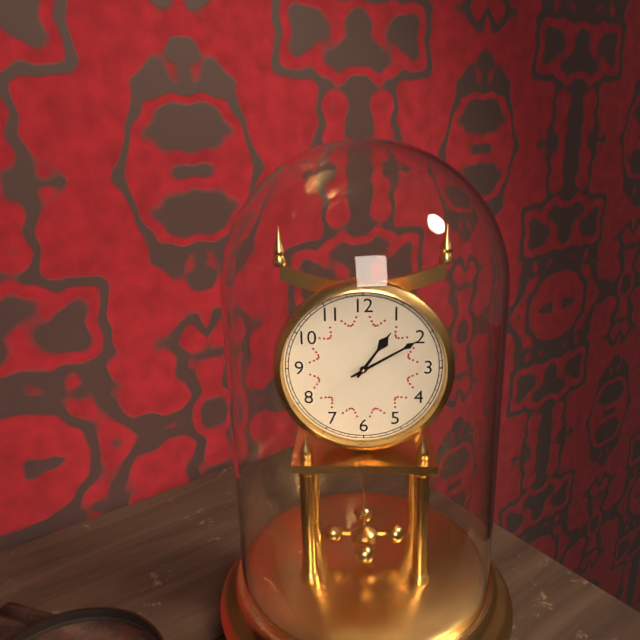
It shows {"hour": 1, "minute": 10}
